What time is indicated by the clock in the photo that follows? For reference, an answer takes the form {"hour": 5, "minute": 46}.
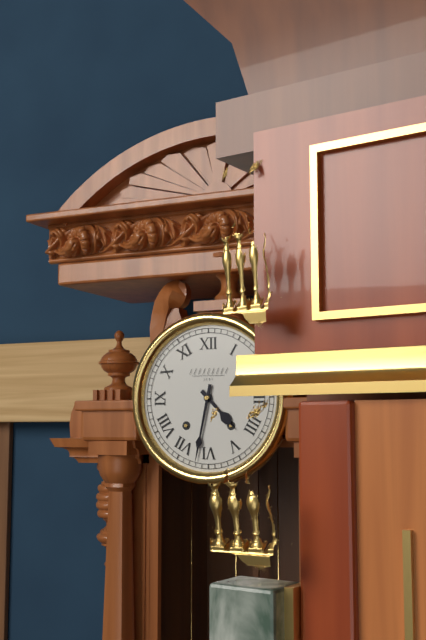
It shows {"hour": 4, "minute": 32}
